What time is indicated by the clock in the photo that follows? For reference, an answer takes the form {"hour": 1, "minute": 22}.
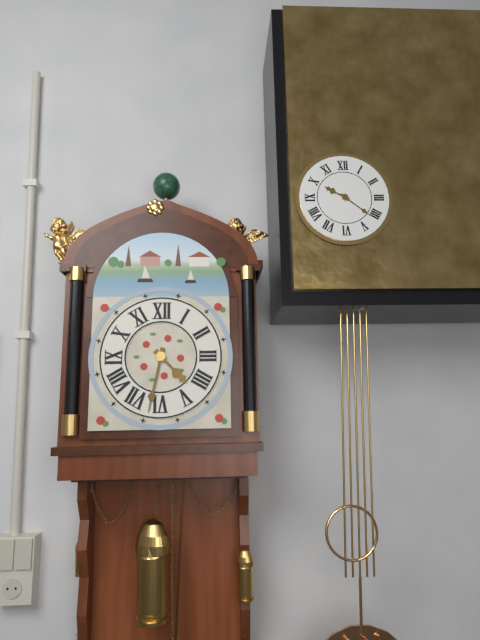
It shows {"hour": 4, "minute": 32}
